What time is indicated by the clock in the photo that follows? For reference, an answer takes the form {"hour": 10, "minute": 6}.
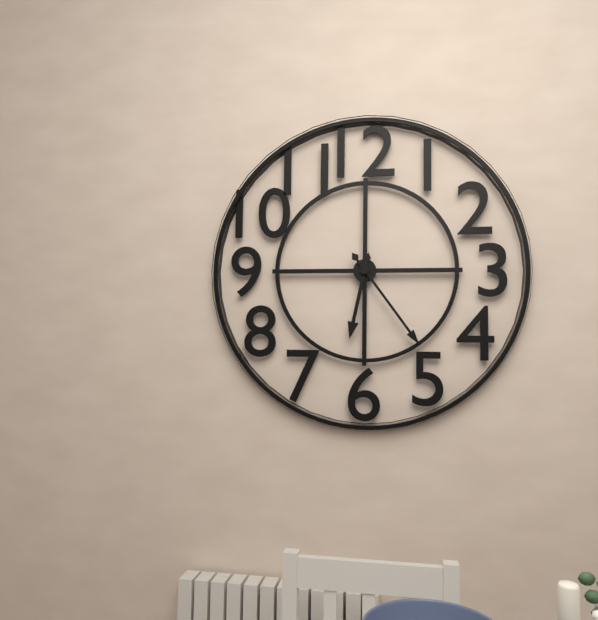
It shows {"hour": 6, "minute": 24}
